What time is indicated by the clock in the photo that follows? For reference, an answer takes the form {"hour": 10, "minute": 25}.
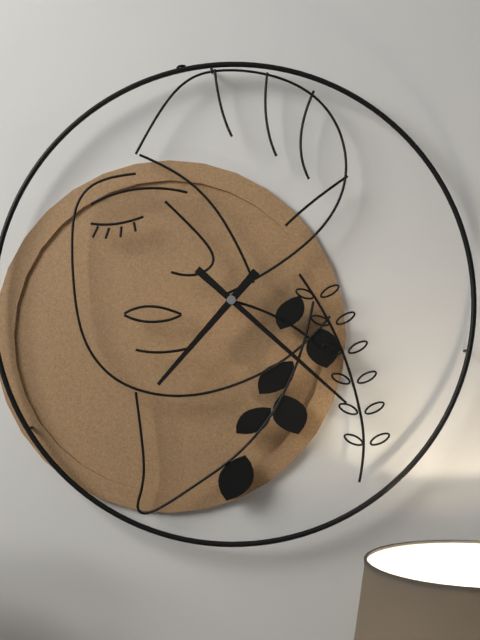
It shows {"hour": 7, "minute": 22}
